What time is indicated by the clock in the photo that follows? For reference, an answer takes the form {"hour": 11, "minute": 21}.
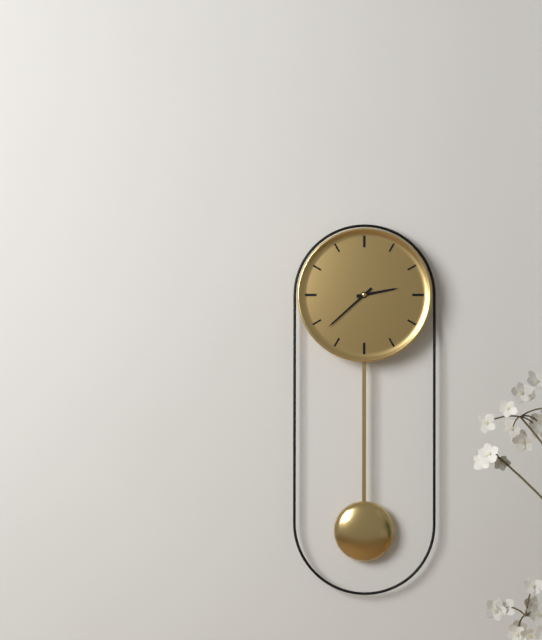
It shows {"hour": 2, "minute": 38}
